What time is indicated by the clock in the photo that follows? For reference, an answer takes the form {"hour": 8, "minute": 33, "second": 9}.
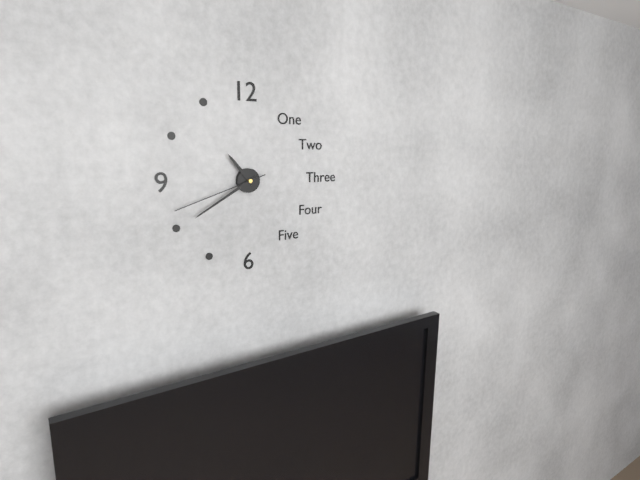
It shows {"hour": 10, "minute": 40, "second": 42}
